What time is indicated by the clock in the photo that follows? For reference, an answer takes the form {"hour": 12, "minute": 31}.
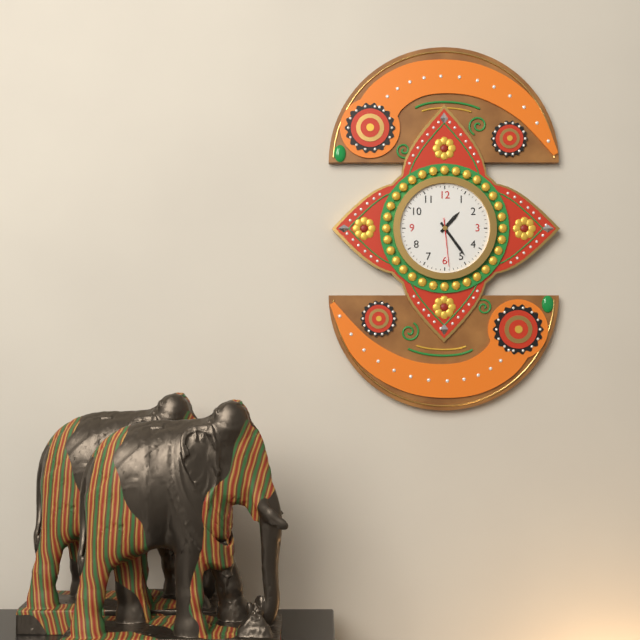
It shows {"hour": 1, "minute": 24}
